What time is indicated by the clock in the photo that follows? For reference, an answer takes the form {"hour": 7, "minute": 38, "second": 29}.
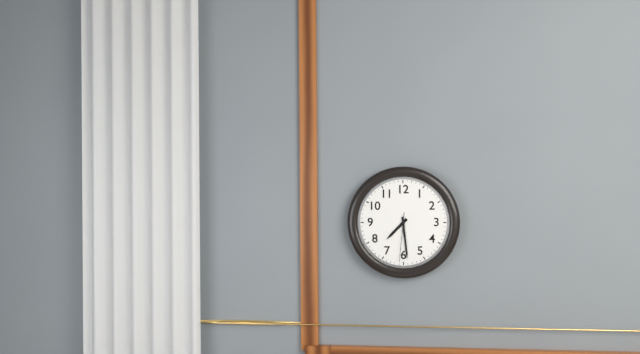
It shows {"hour": 7, "minute": 29, "second": 31}
